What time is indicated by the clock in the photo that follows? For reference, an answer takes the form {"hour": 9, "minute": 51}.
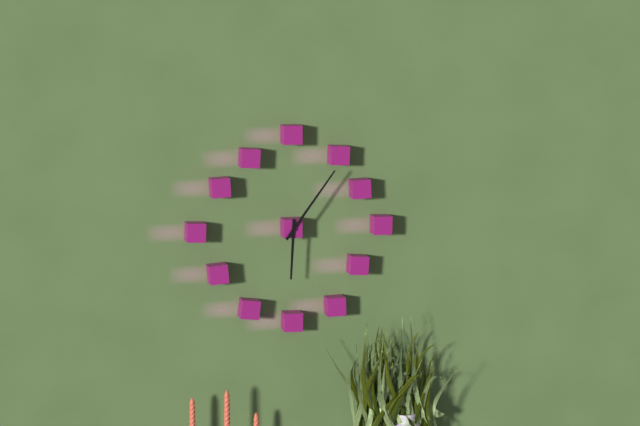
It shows {"hour": 6, "minute": 6}
